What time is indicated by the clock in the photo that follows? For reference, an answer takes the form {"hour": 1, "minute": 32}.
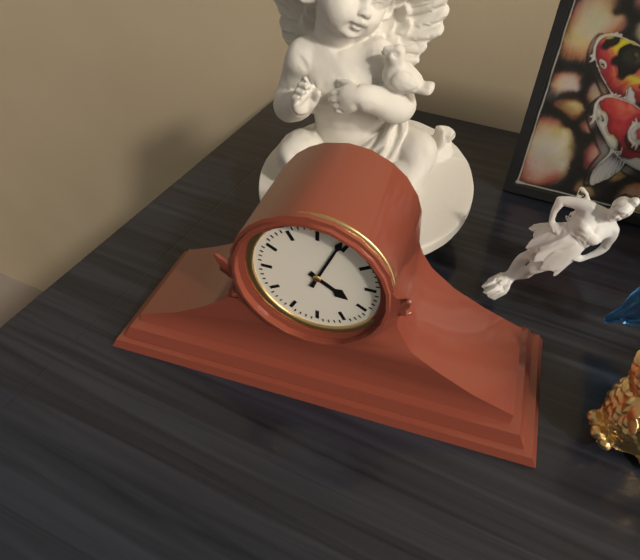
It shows {"hour": 4, "minute": 4}
